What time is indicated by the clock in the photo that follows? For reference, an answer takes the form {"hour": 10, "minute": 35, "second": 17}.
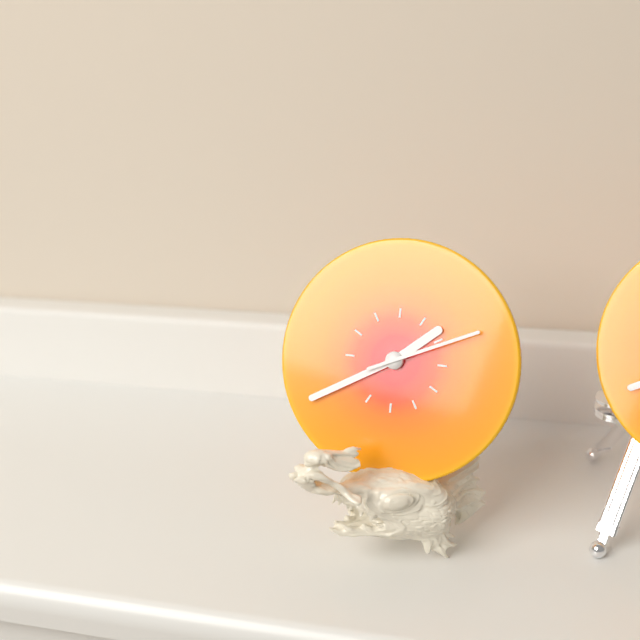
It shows {"hour": 1, "minute": 40, "second": 11}
